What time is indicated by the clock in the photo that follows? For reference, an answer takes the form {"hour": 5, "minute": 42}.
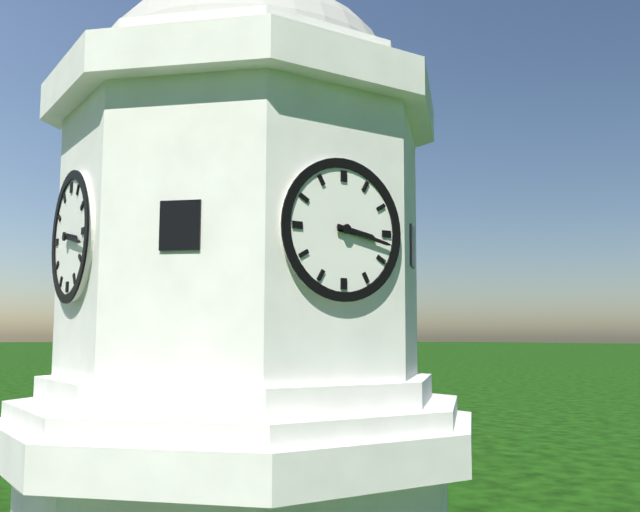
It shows {"hour": 3, "minute": 17}
